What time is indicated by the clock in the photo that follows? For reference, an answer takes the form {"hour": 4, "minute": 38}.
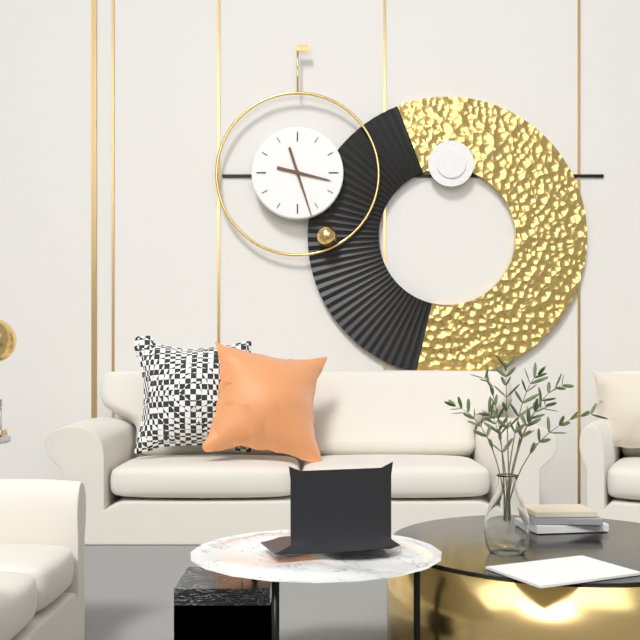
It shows {"hour": 3, "minute": 27}
